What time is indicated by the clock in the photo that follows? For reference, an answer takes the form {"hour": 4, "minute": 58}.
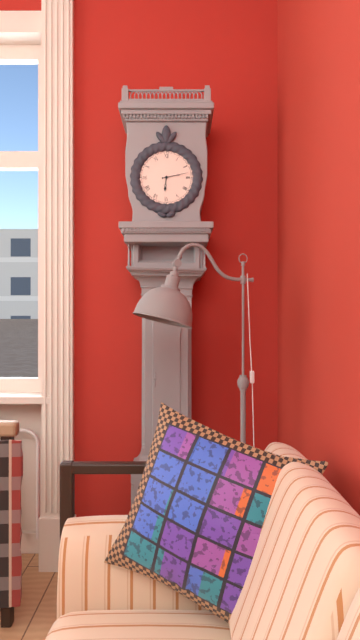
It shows {"hour": 6, "minute": 13}
